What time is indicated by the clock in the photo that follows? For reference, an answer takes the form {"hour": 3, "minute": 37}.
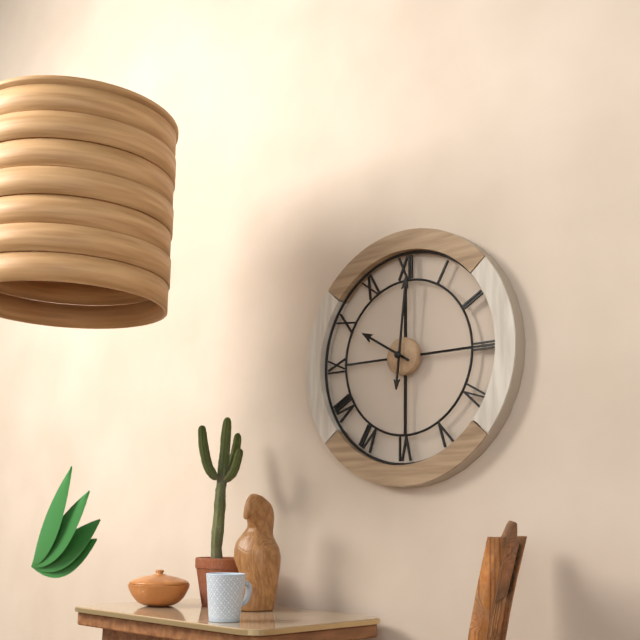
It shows {"hour": 10, "minute": 1}
